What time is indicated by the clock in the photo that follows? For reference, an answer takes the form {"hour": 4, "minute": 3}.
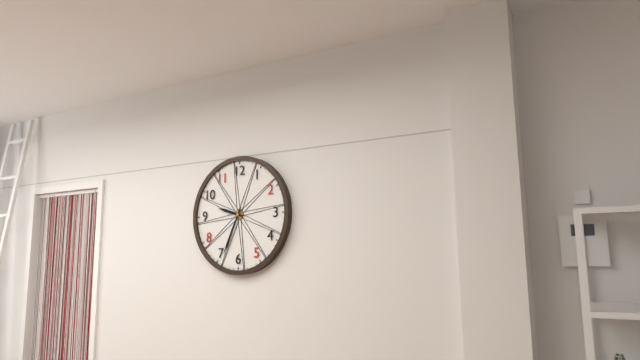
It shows {"hour": 9, "minute": 34}
